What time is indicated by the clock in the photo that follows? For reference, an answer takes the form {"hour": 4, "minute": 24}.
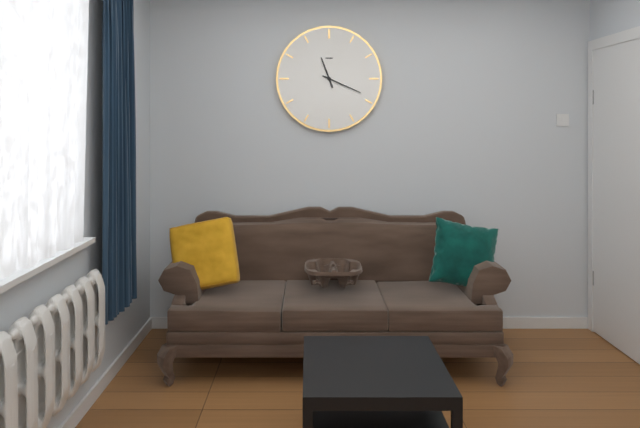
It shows {"hour": 11, "minute": 19}
